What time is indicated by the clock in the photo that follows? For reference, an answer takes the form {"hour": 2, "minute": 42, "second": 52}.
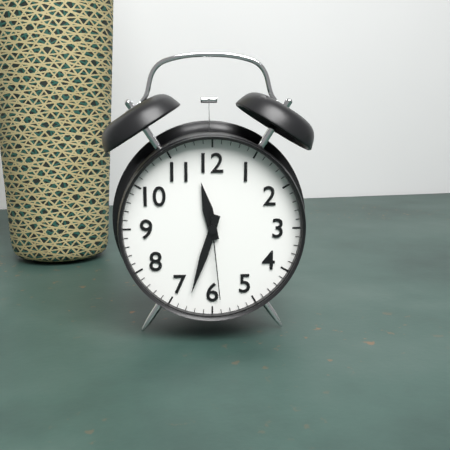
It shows {"hour": 11, "minute": 33, "second": 29}
